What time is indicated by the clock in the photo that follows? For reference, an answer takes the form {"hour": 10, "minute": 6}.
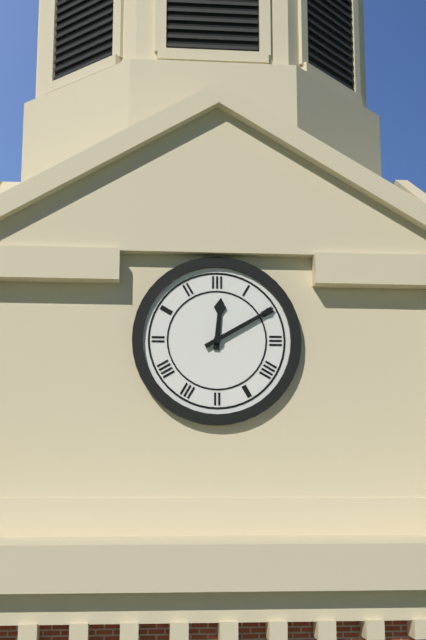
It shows {"hour": 12, "minute": 10}
